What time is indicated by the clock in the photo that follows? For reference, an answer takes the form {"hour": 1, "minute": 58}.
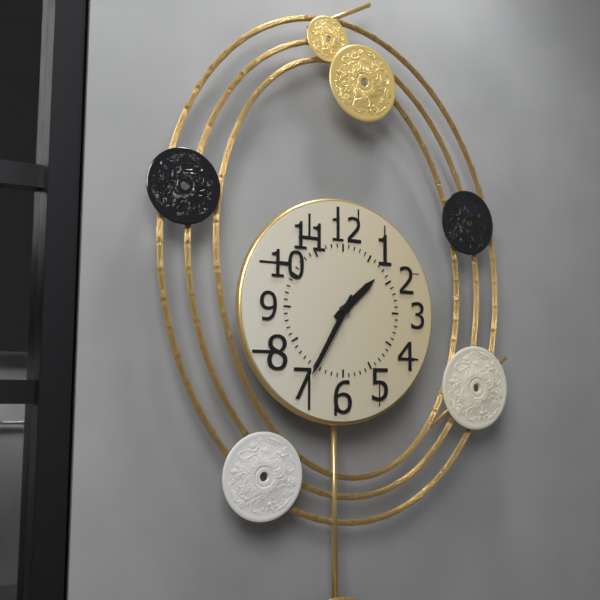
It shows {"hour": 1, "minute": 35}
